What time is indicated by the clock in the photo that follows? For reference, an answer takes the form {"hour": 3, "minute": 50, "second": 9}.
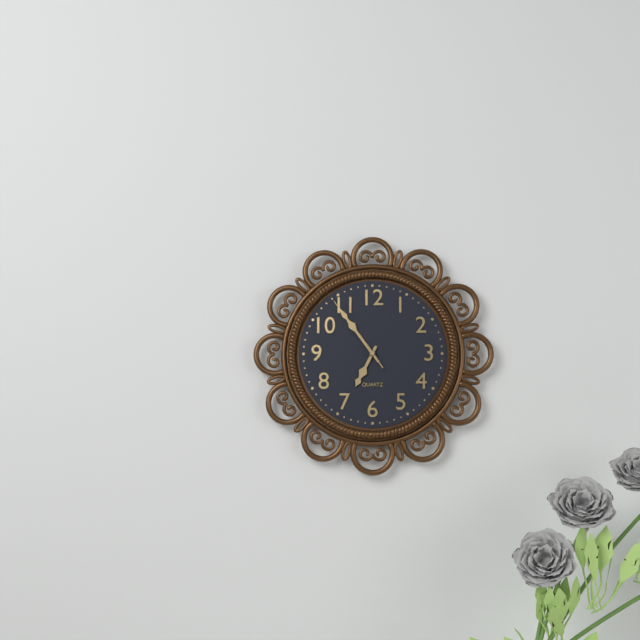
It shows {"hour": 6, "minute": 54, "second": 54}
